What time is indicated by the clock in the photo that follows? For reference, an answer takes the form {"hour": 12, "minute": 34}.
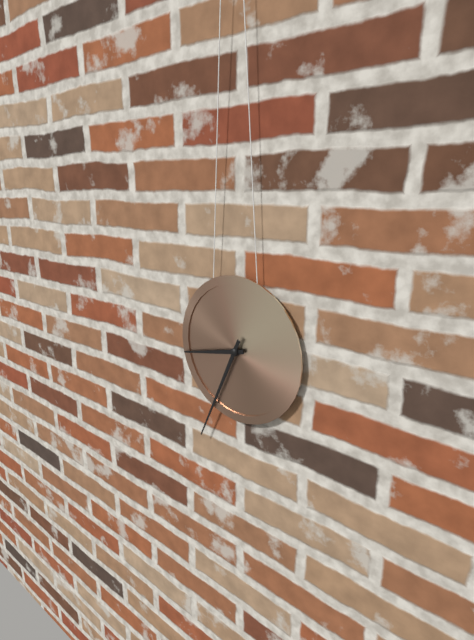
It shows {"hour": 8, "minute": 34}
